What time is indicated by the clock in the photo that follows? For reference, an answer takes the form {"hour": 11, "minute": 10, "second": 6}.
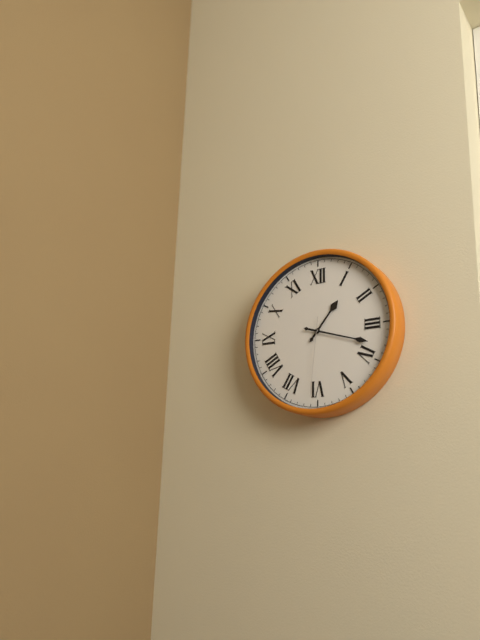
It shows {"hour": 1, "minute": 18, "second": 31}
